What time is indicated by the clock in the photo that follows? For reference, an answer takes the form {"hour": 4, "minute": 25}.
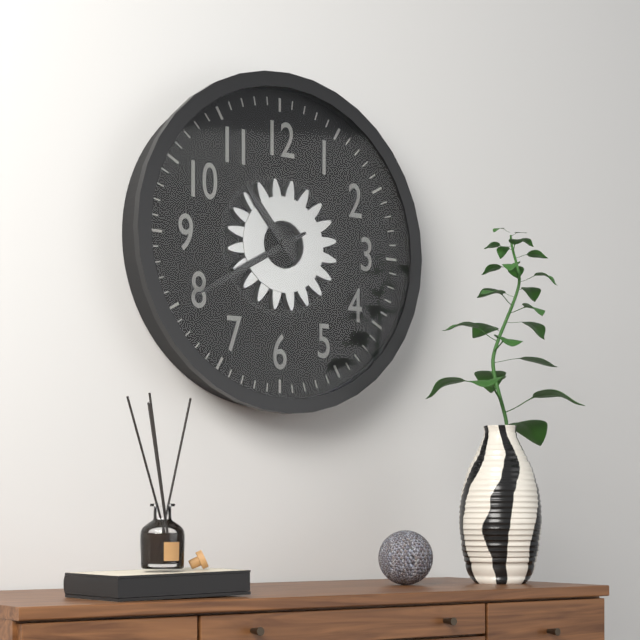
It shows {"hour": 10, "minute": 40}
